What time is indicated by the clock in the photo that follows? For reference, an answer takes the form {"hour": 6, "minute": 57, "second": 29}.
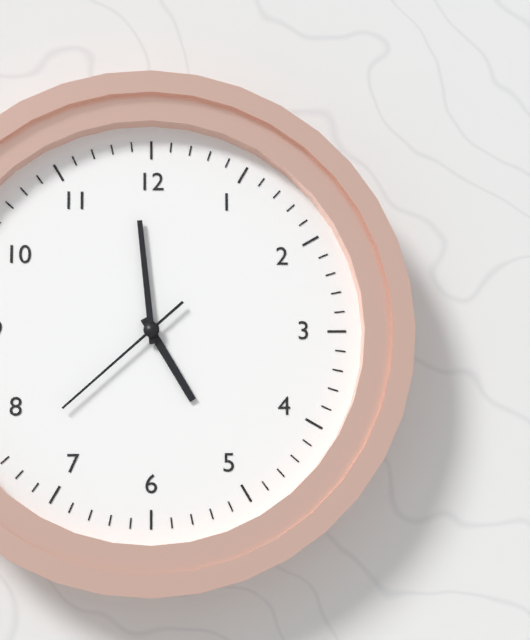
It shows {"hour": 4, "minute": 59, "second": 38}
